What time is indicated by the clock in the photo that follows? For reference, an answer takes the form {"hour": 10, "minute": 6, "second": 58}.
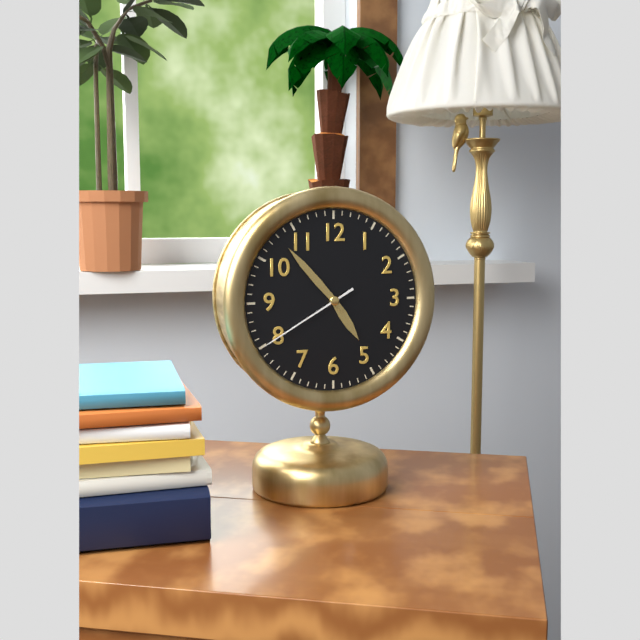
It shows {"hour": 4, "minute": 53, "second": 40}
